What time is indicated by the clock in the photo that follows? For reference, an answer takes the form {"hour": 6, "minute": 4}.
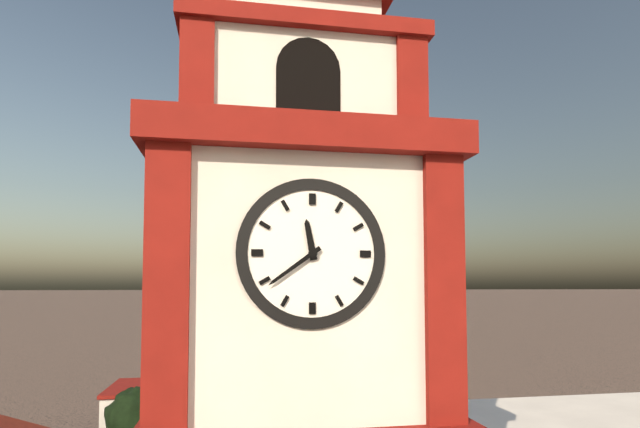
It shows {"hour": 11, "minute": 39}
